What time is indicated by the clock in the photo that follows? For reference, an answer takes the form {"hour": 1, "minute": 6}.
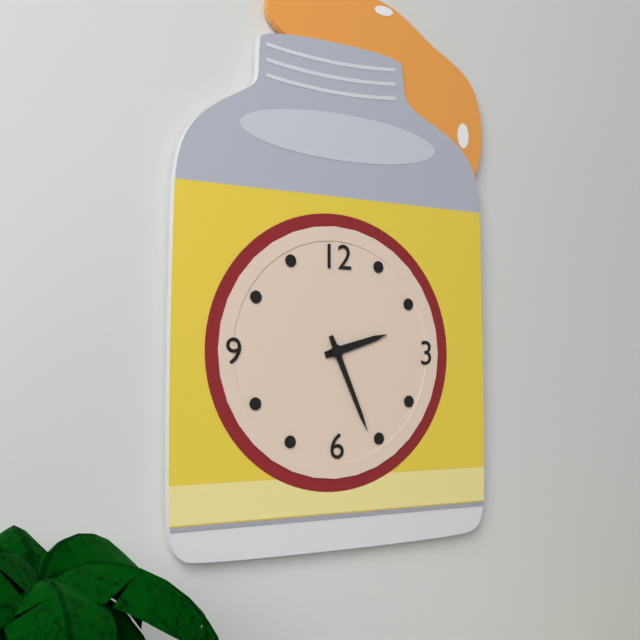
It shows {"hour": 2, "minute": 26}
